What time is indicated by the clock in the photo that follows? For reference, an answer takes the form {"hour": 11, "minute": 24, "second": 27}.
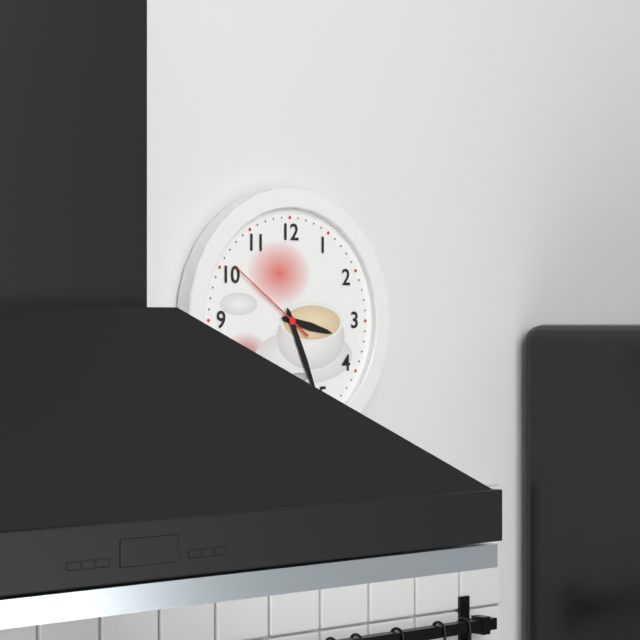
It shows {"hour": 3, "minute": 26, "second": 51}
